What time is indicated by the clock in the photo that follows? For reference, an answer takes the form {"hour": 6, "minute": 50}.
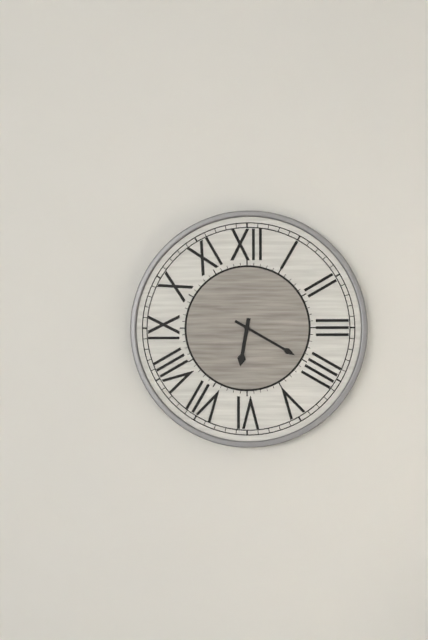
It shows {"hour": 6, "minute": 20}
